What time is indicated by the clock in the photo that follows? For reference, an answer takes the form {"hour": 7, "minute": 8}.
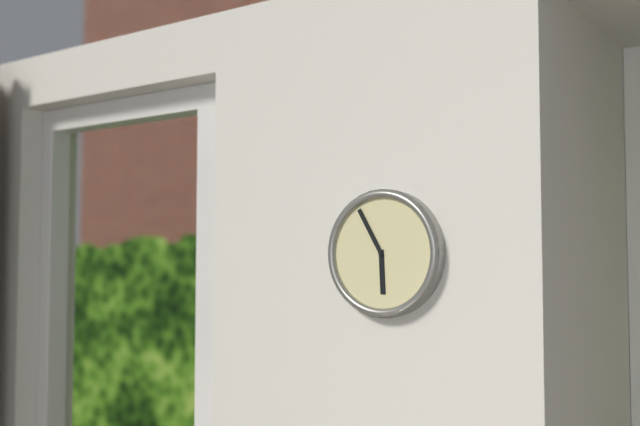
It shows {"hour": 5, "minute": 55}
